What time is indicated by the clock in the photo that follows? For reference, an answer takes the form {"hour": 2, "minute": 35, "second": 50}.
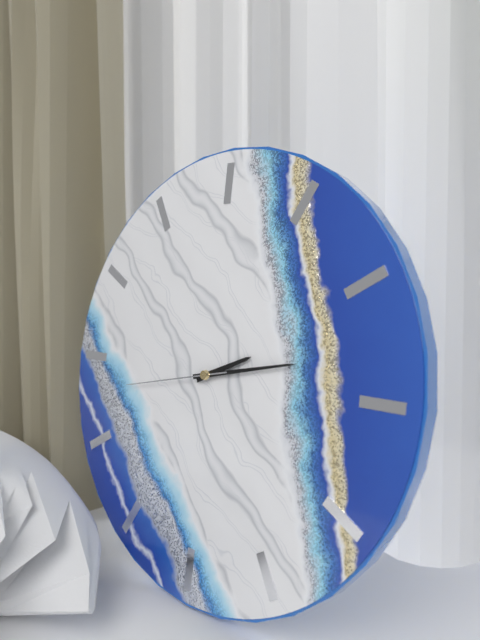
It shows {"hour": 2, "minute": 13, "second": 43}
